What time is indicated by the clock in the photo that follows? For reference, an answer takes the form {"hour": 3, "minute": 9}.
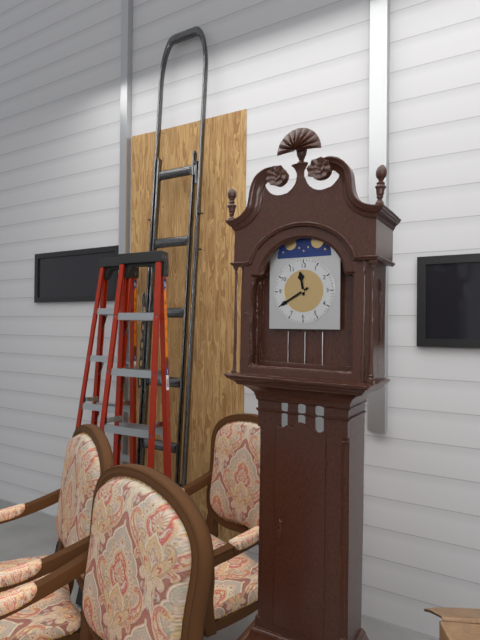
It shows {"hour": 11, "minute": 40}
